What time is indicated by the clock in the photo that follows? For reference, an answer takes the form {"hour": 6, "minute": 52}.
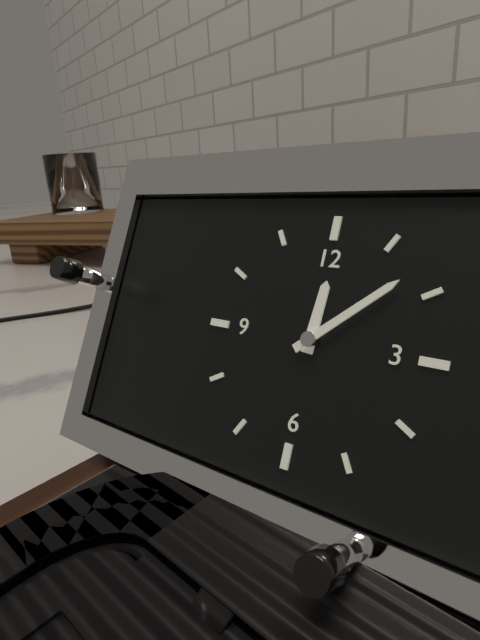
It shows {"hour": 12, "minute": 8}
